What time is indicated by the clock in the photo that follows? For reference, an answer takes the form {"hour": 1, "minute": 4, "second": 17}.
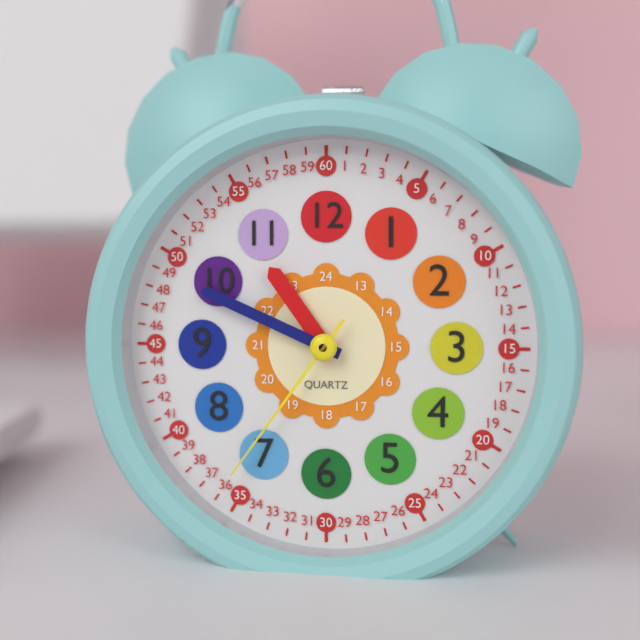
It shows {"hour": 10, "minute": 49, "second": 36}
